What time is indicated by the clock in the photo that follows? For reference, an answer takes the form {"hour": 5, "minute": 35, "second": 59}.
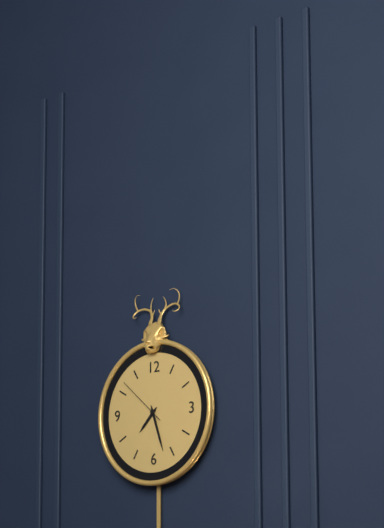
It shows {"hour": 7, "minute": 27, "second": 52}
